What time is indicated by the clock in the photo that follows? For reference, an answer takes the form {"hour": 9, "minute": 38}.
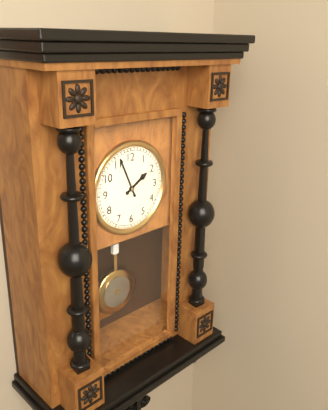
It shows {"hour": 1, "minute": 56}
